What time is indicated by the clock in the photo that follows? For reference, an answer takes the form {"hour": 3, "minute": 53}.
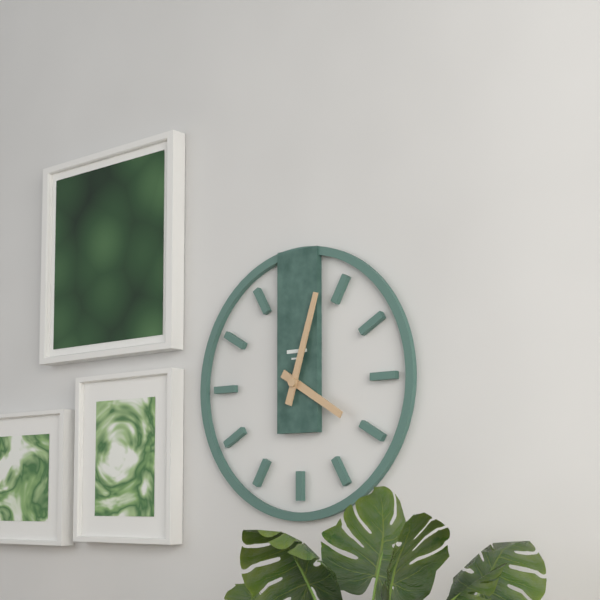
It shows {"hour": 4, "minute": 3}
